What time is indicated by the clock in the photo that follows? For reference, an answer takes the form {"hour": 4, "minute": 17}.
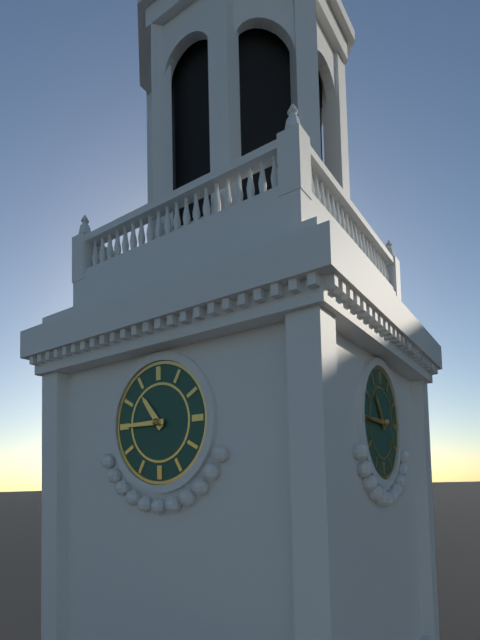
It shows {"hour": 10, "minute": 45}
